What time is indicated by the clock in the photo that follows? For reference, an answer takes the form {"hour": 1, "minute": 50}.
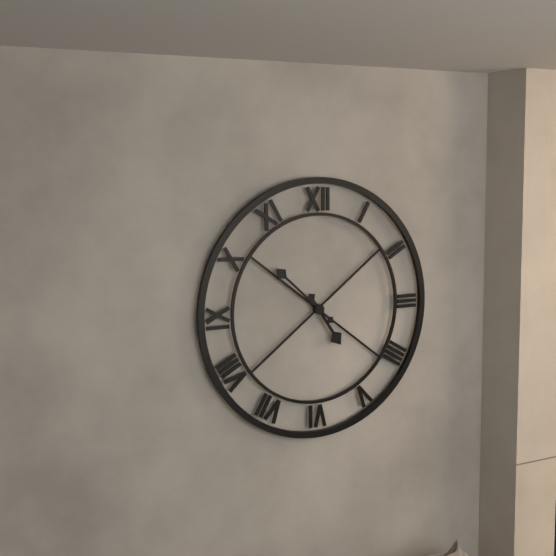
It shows {"hour": 4, "minute": 52}
